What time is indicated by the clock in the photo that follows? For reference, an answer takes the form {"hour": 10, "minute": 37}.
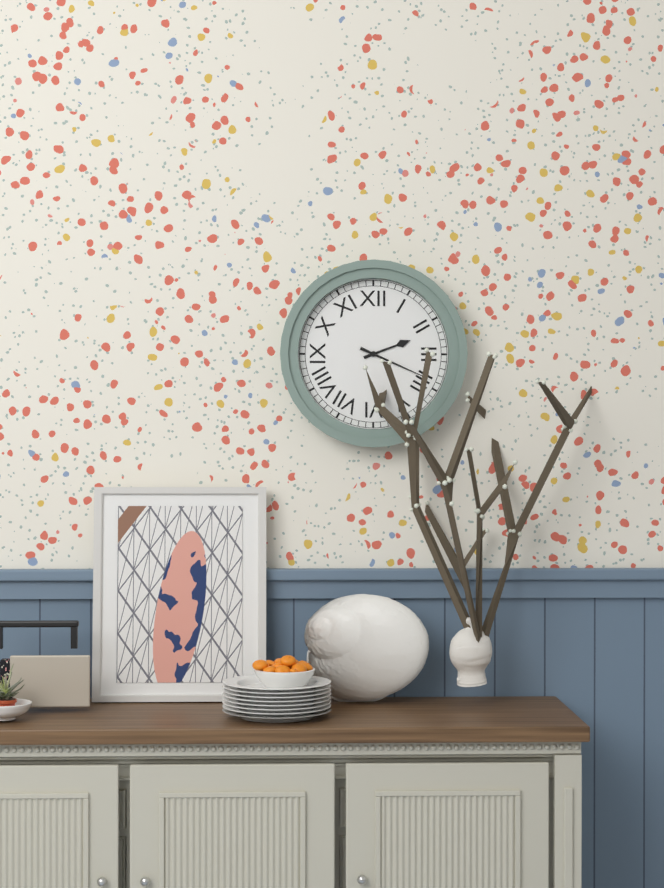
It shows {"hour": 2, "minute": 19}
